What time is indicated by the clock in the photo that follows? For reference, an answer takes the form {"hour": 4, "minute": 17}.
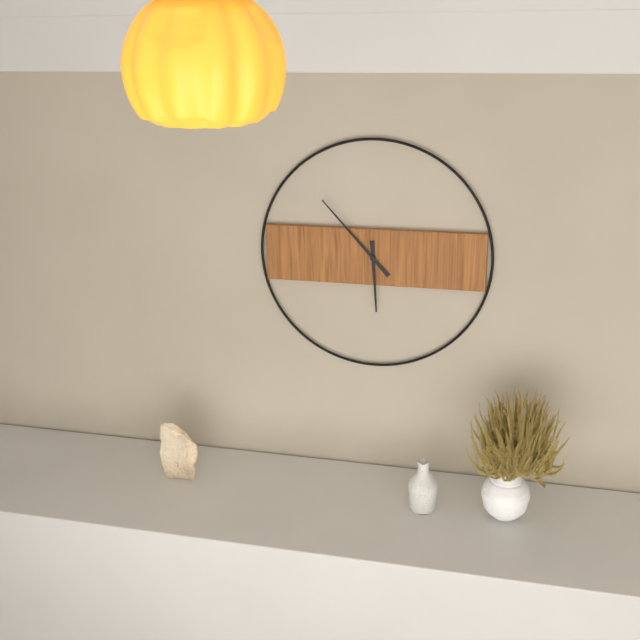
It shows {"hour": 5, "minute": 53}
